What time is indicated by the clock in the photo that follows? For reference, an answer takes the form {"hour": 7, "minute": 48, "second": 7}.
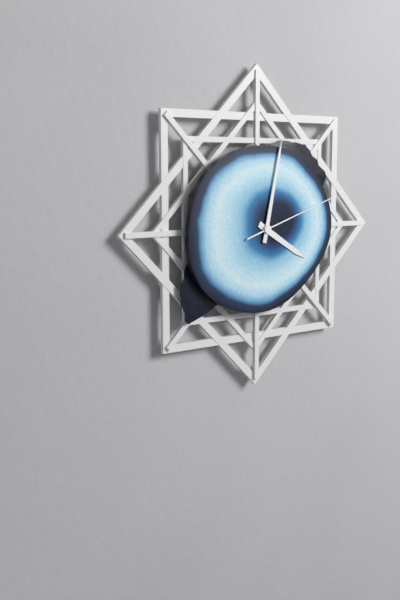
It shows {"hour": 4, "minute": 2, "second": 12}
